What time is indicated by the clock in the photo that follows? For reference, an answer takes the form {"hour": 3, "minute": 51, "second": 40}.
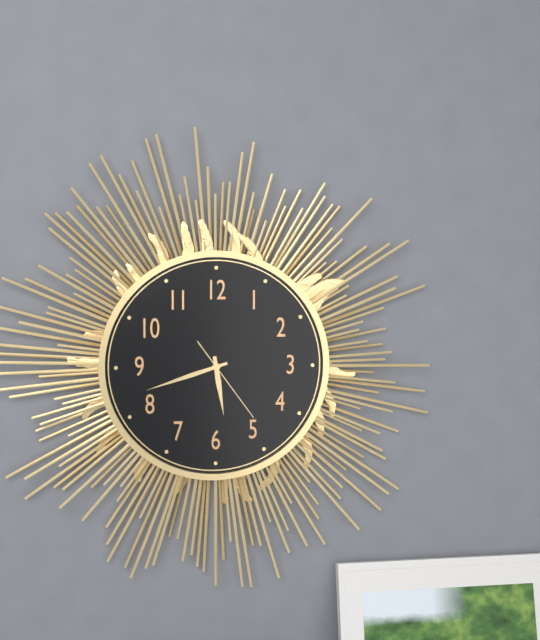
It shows {"hour": 5, "minute": 42, "second": 24}
